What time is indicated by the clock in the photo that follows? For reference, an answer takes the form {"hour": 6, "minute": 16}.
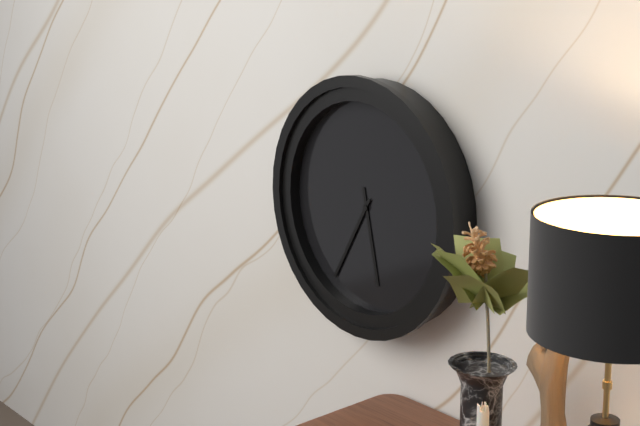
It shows {"hour": 5, "minute": 35}
